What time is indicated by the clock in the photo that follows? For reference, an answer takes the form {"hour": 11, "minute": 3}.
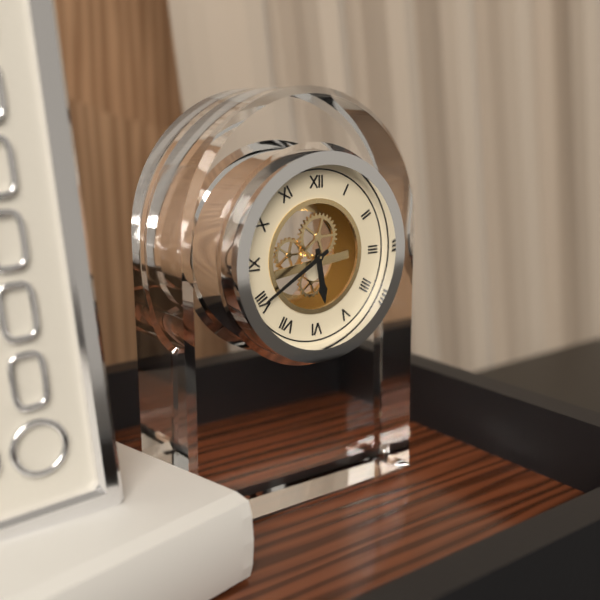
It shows {"hour": 5, "minute": 40}
